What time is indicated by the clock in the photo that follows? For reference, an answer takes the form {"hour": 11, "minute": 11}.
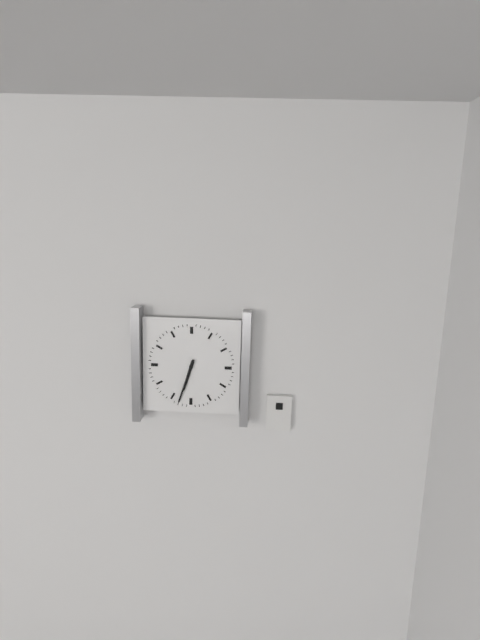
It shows {"hour": 6, "minute": 33}
